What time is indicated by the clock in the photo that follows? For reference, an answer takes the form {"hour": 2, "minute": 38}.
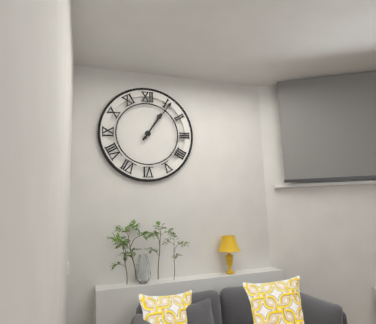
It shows {"hour": 1, "minute": 6}
